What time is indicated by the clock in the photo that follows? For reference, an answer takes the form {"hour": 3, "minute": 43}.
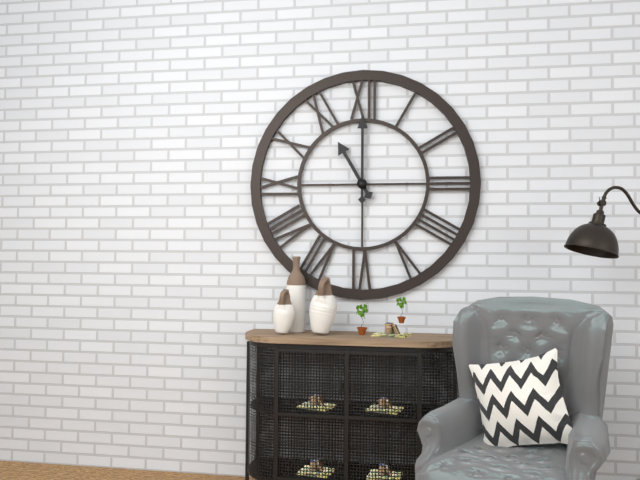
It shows {"hour": 11, "minute": 0}
